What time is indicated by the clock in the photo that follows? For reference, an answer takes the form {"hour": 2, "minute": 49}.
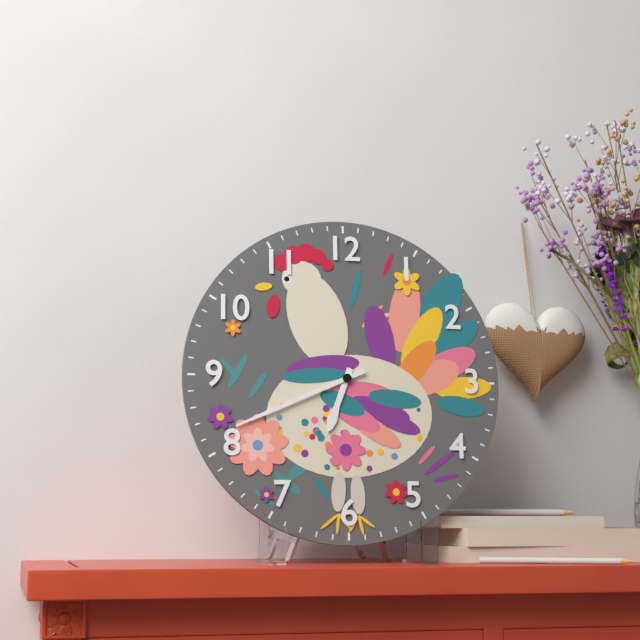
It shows {"hour": 6, "minute": 41}
